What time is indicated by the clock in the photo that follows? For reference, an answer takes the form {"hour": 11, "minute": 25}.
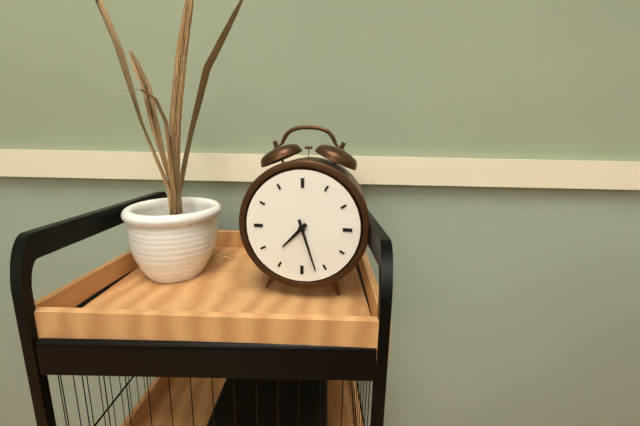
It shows {"hour": 7, "minute": 27}
